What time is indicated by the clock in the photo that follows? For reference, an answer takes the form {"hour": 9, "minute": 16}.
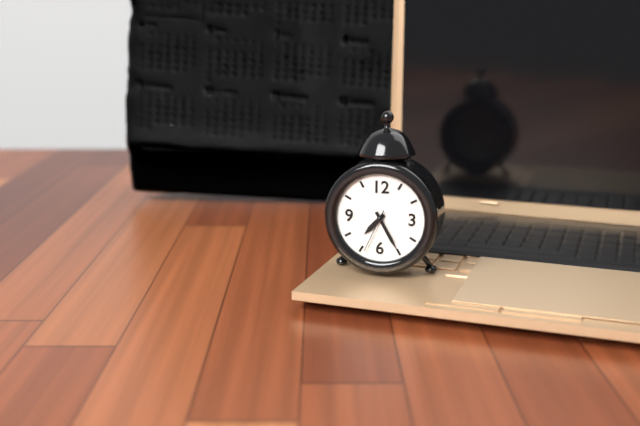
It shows {"hour": 7, "minute": 25}
